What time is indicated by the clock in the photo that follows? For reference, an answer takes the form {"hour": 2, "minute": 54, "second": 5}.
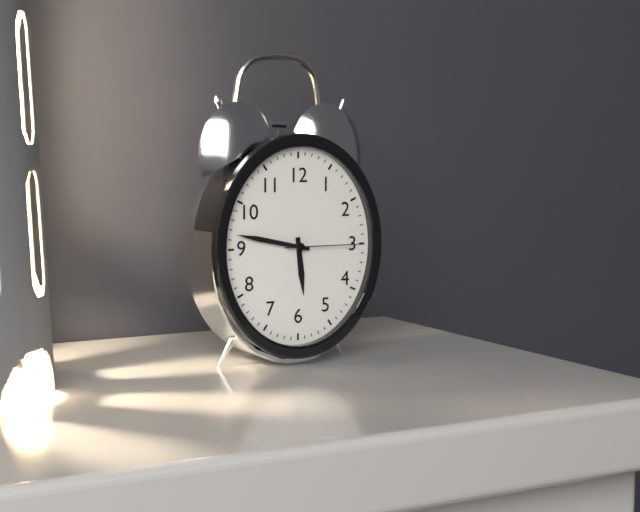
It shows {"hour": 5, "minute": 47, "second": 15}
